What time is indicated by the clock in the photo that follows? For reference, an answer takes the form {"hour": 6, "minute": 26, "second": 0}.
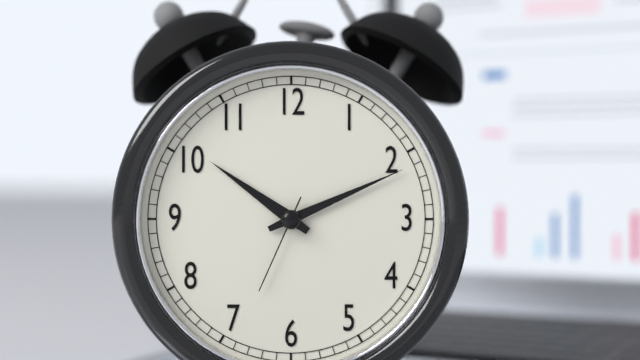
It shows {"hour": 10, "minute": 11, "second": 34}
